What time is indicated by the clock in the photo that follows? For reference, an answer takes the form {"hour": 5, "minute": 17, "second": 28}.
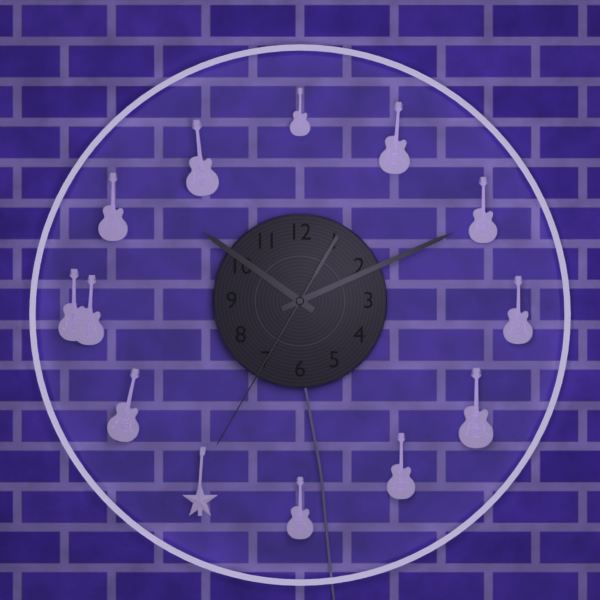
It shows {"hour": 10, "minute": 11, "second": 35}
